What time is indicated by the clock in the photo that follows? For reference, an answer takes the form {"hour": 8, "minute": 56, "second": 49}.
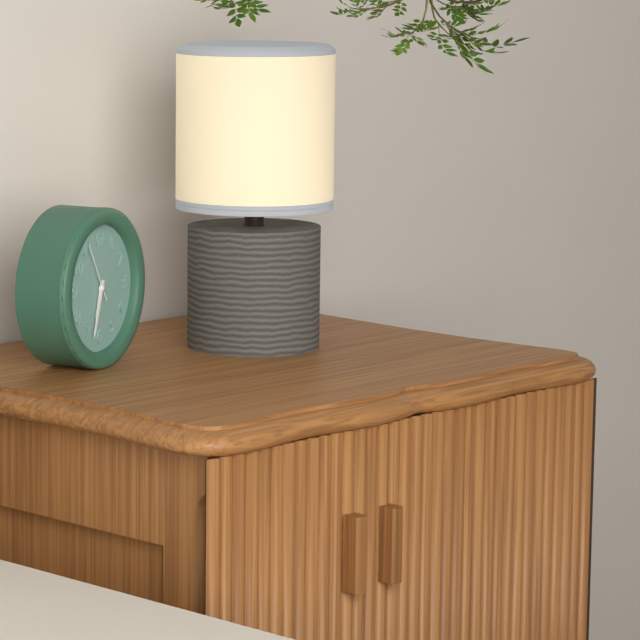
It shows {"hour": 6, "minute": 33, "second": 55}
